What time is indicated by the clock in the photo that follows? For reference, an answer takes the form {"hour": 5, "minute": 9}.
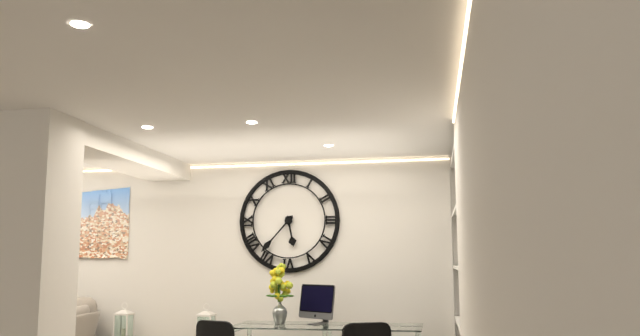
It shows {"hour": 5, "minute": 37}
